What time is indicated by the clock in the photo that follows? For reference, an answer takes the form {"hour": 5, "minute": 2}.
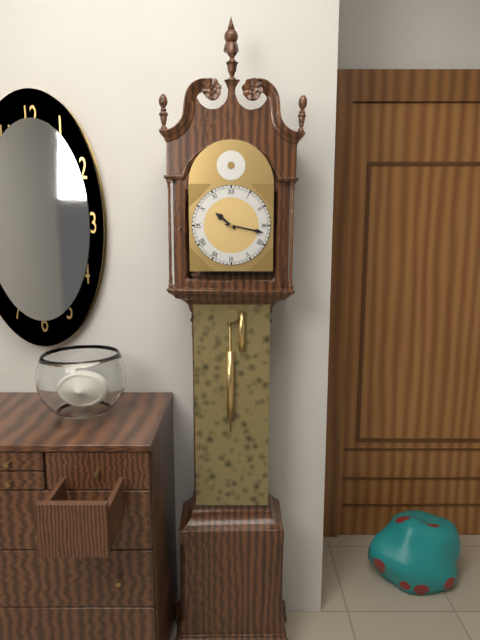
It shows {"hour": 10, "minute": 17}
